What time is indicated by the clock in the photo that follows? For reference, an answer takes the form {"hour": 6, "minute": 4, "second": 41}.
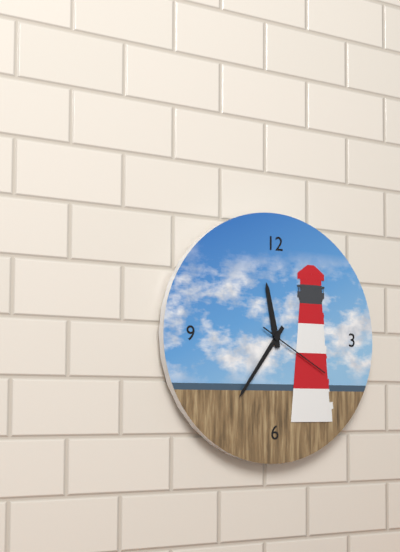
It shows {"hour": 11, "minute": 36, "second": 20}
